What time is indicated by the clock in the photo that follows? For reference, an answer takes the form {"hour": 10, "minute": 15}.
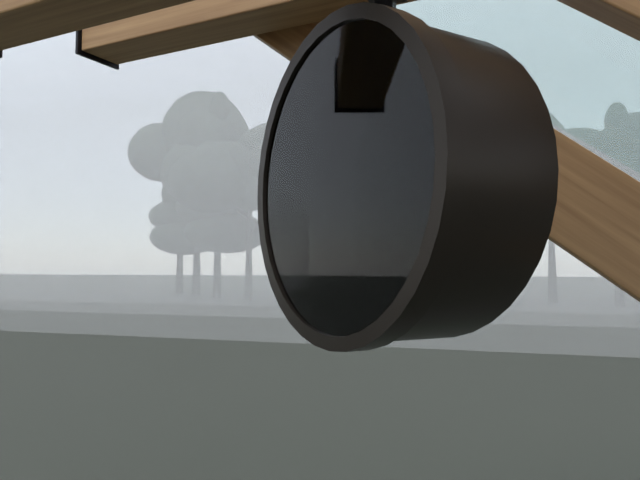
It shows {"hour": 6, "minute": 38}
